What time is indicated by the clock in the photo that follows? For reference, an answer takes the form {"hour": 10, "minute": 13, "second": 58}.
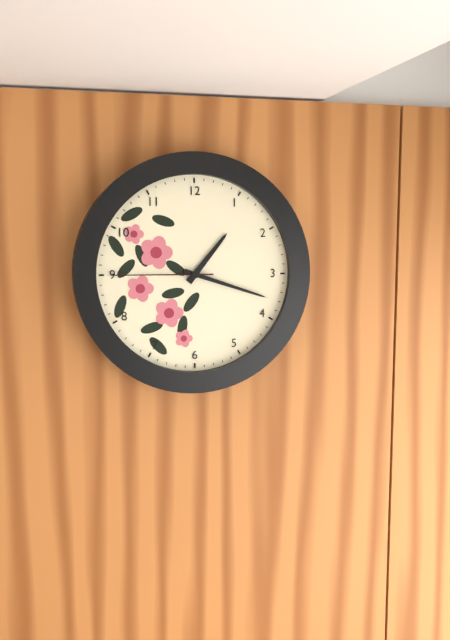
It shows {"hour": 1, "minute": 18, "second": 45}
